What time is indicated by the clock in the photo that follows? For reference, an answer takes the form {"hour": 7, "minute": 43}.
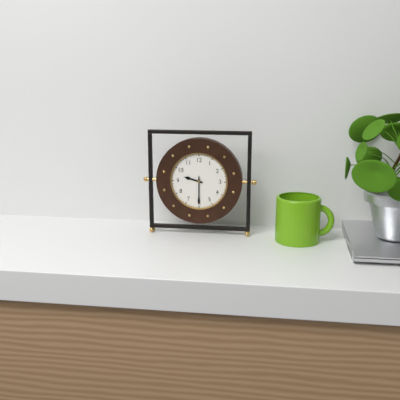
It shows {"hour": 9, "minute": 30}
